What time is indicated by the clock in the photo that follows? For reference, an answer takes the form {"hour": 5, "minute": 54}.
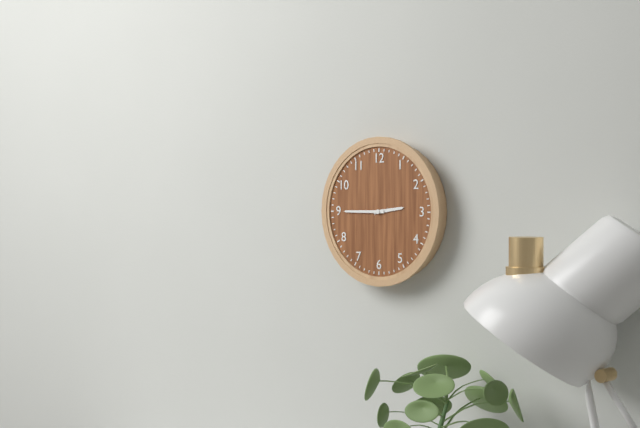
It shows {"hour": 2, "minute": 45}
